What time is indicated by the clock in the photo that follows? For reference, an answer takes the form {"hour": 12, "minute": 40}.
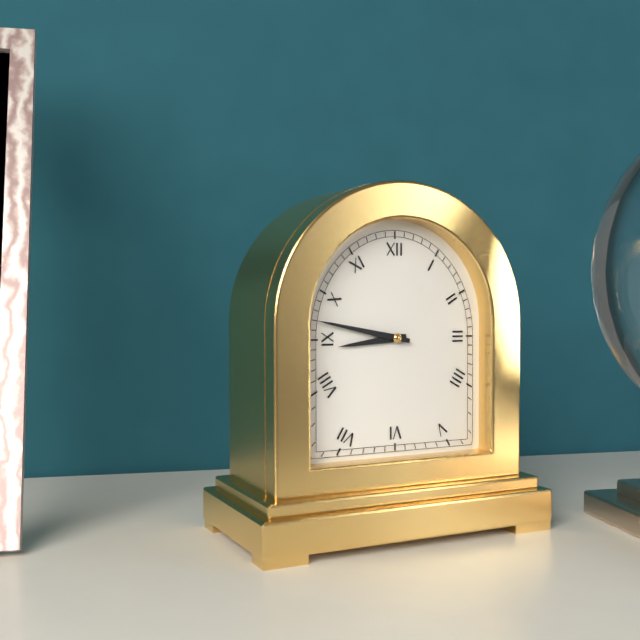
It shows {"hour": 8, "minute": 47}
